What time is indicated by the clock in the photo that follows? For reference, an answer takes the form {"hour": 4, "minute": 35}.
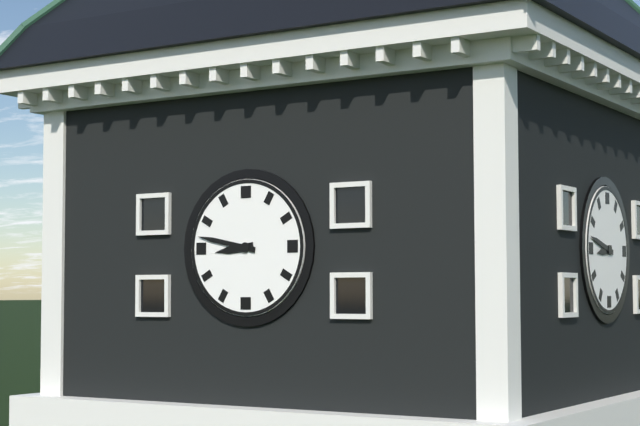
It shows {"hour": 8, "minute": 47}
